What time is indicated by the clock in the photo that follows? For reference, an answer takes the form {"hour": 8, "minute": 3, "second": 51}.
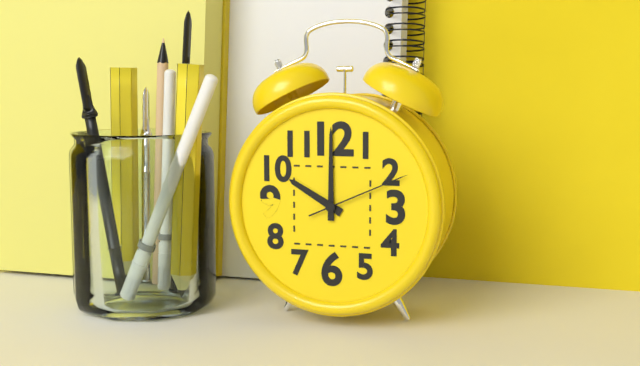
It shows {"hour": 10, "minute": 0, "second": 11}
